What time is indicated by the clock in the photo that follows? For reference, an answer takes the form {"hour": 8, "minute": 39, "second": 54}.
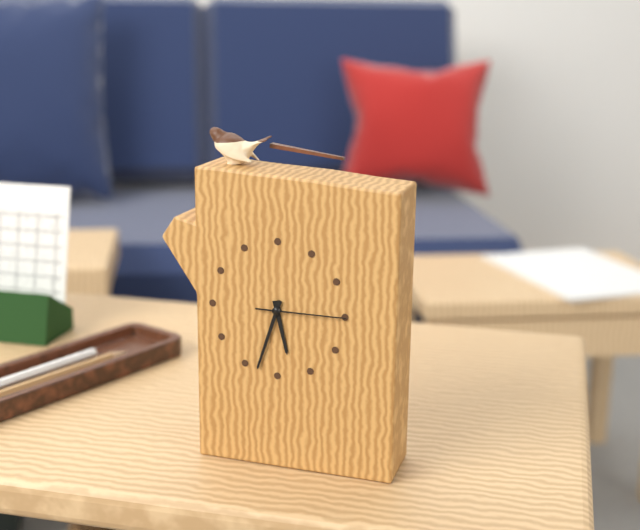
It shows {"hour": 5, "minute": 33, "second": 15}
